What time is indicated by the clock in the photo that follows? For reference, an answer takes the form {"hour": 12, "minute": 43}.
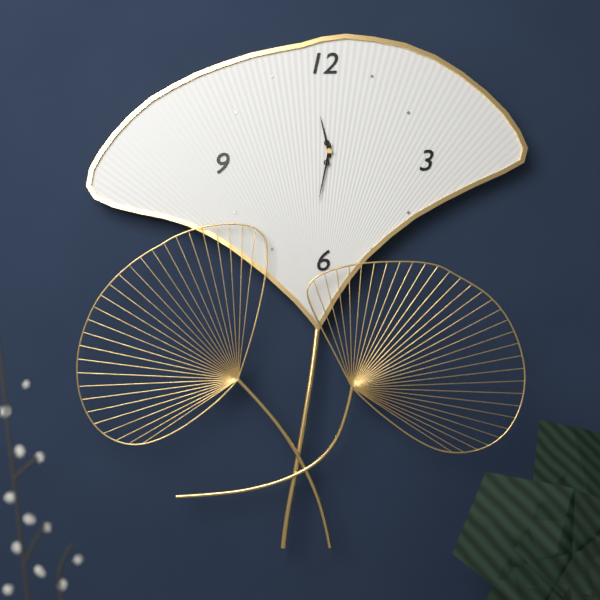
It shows {"hour": 11, "minute": 32}
